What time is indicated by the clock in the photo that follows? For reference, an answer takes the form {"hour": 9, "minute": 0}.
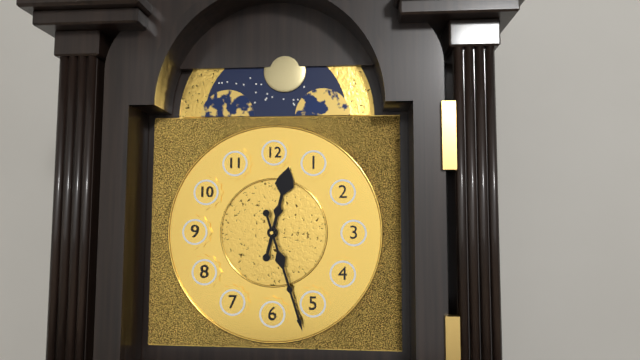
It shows {"hour": 12, "minute": 27}
